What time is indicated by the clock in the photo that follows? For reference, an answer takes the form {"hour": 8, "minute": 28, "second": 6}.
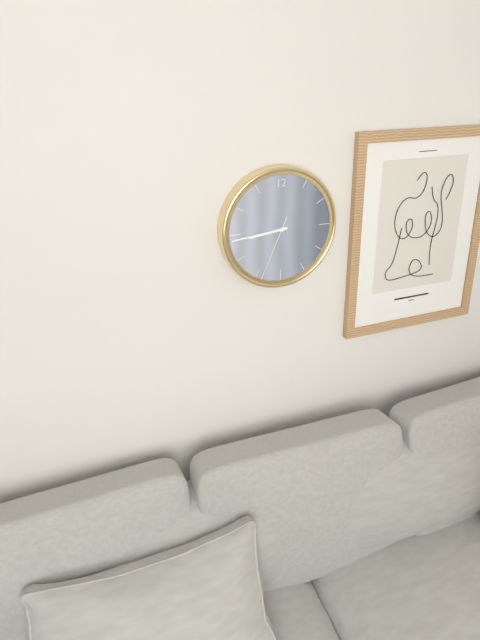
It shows {"hour": 8, "minute": 44, "second": 34}
